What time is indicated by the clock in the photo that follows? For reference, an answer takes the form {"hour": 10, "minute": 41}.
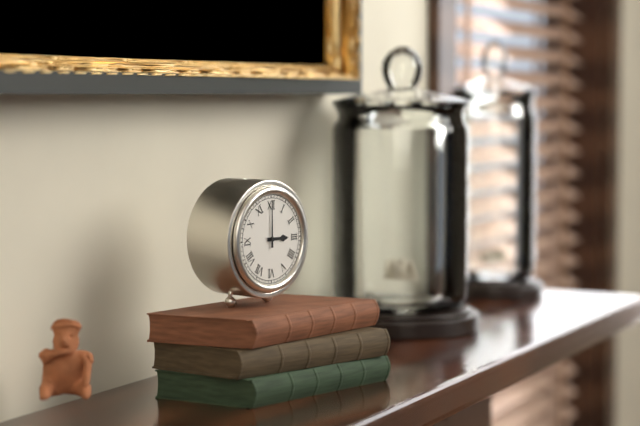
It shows {"hour": 3, "minute": 0}
